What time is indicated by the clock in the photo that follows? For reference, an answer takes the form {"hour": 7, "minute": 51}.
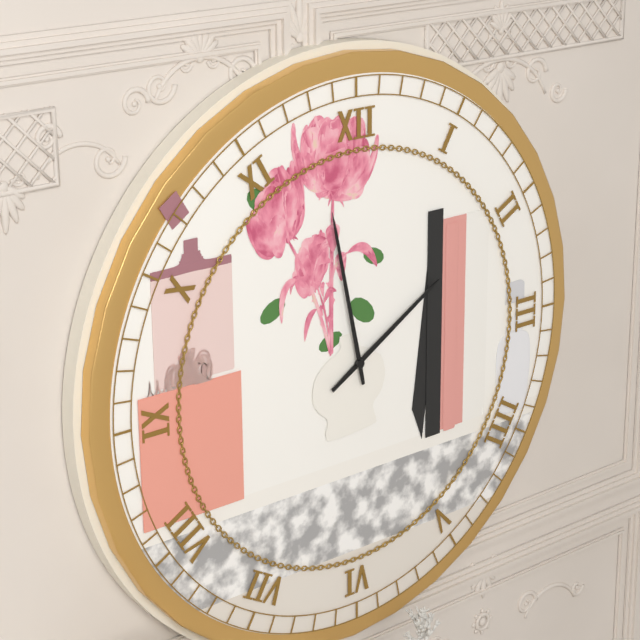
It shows {"hour": 1, "minute": 58}
